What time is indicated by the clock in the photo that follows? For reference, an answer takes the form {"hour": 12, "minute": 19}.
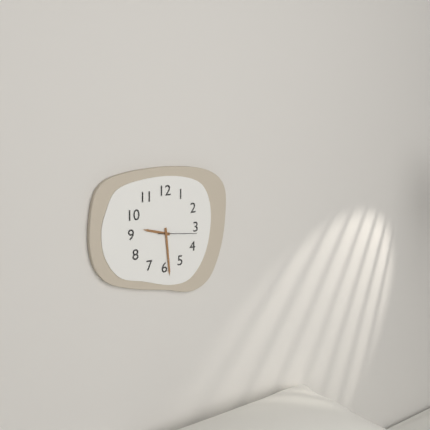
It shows {"hour": 9, "minute": 29}
